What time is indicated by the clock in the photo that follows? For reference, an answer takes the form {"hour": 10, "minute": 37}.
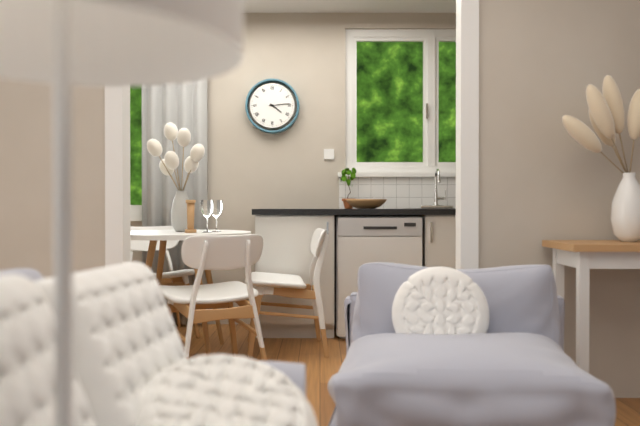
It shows {"hour": 4, "minute": 14}
